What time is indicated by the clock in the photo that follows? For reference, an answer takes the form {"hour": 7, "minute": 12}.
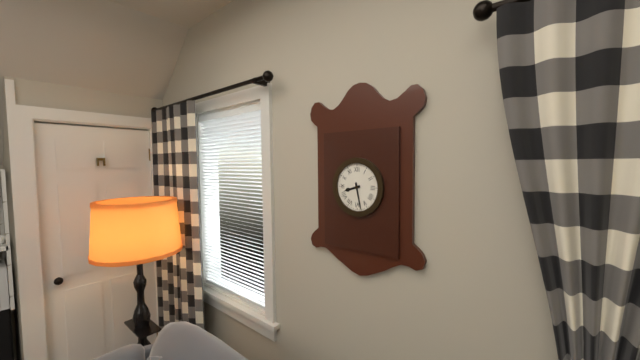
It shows {"hour": 8, "minute": 28}
